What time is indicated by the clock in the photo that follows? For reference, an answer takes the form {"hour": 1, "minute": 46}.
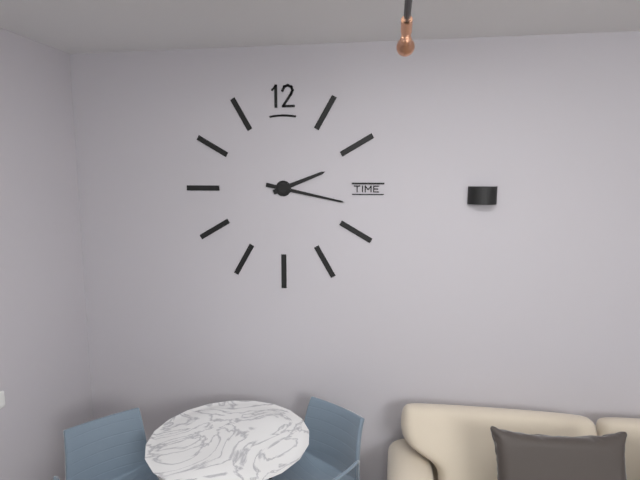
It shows {"hour": 2, "minute": 17}
